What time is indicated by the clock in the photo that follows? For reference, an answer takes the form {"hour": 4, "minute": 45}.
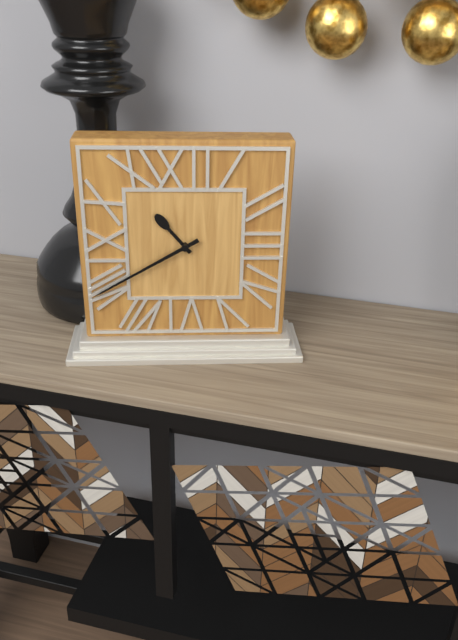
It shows {"hour": 10, "minute": 40}
